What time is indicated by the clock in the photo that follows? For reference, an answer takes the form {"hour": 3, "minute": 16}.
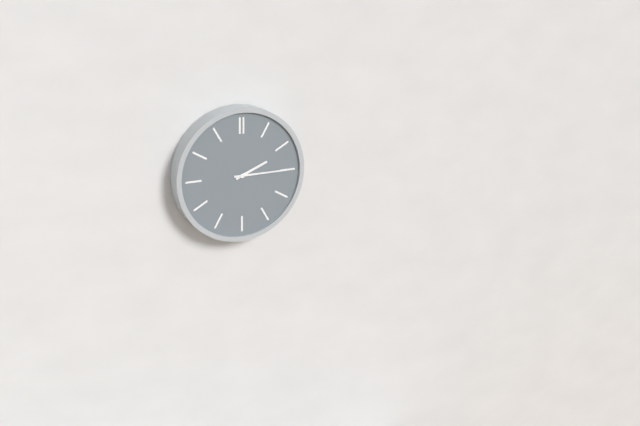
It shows {"hour": 2, "minute": 15}
